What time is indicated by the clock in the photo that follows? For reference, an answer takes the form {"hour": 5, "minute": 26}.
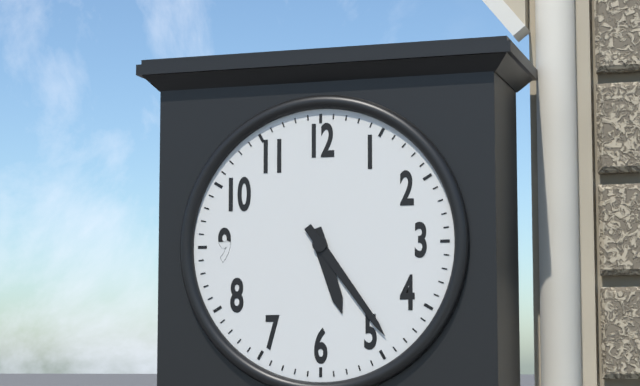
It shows {"hour": 5, "minute": 24}
